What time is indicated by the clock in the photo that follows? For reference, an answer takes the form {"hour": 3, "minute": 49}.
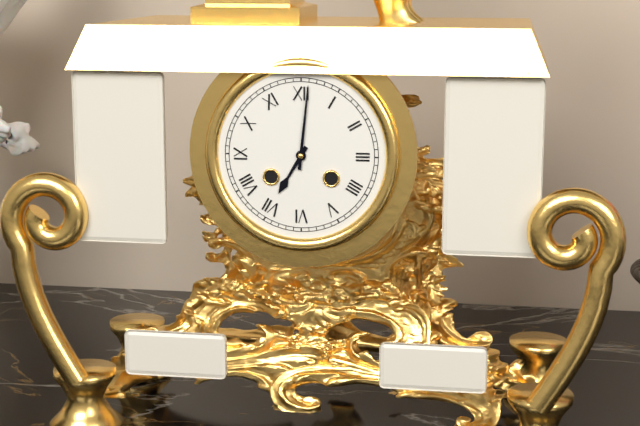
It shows {"hour": 7, "minute": 1}
